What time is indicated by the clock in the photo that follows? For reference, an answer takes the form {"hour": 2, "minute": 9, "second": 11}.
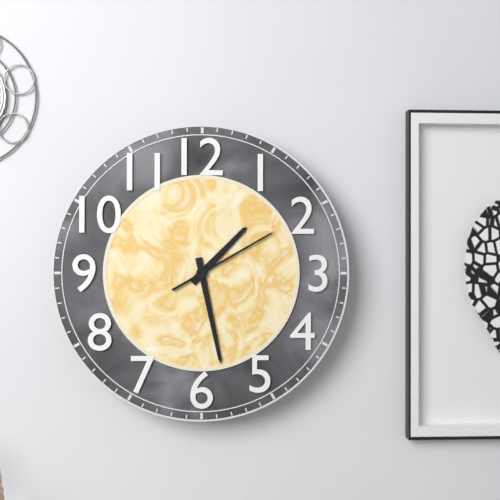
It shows {"hour": 1, "minute": 28, "second": 10}
